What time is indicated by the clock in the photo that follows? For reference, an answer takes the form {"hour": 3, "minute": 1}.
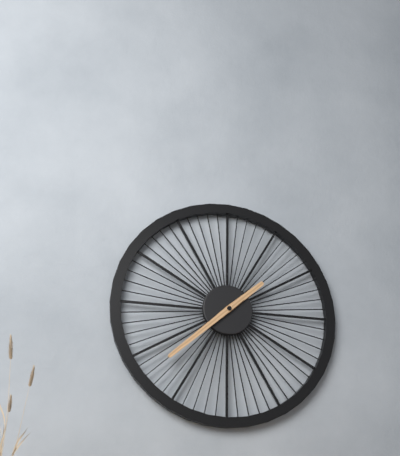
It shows {"hour": 1, "minute": 38}
